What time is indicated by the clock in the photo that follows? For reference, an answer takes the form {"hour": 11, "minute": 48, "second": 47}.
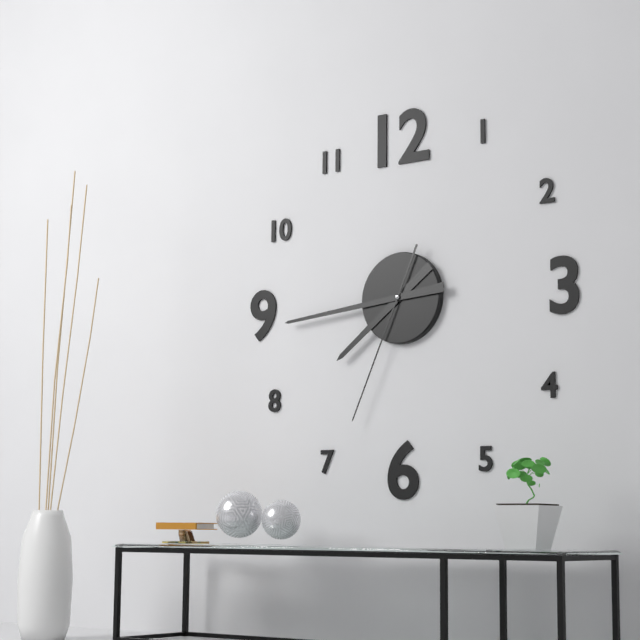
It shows {"hour": 7, "minute": 44, "second": 34}
